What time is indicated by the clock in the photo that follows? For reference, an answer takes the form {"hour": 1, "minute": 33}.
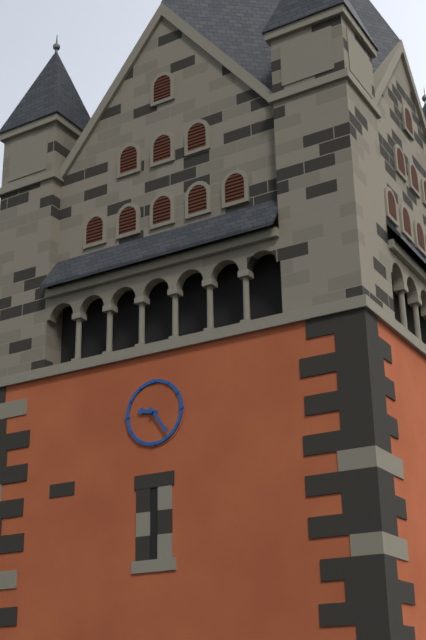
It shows {"hour": 9, "minute": 24}
